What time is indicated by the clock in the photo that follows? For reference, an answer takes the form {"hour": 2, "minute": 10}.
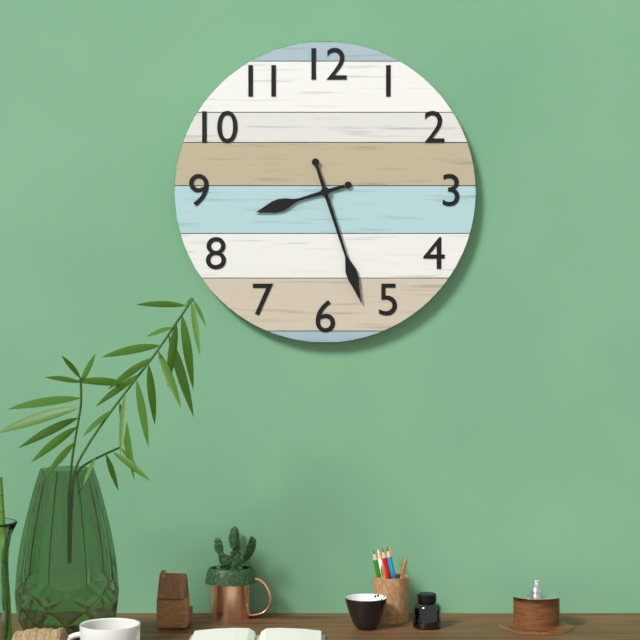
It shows {"hour": 8, "minute": 27}
